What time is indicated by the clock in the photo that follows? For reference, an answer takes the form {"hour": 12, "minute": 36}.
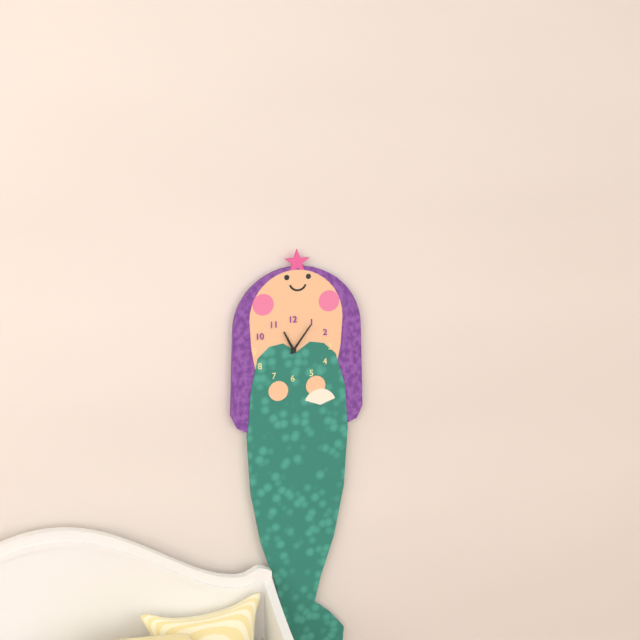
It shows {"hour": 11, "minute": 6}
